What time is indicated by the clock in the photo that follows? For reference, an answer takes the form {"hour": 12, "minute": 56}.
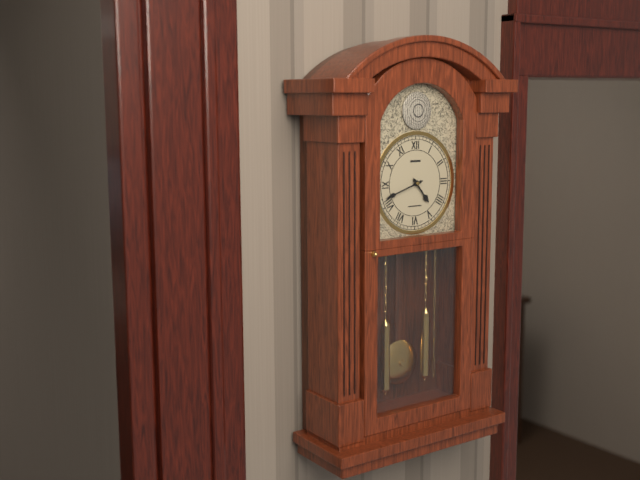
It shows {"hour": 4, "minute": 42}
